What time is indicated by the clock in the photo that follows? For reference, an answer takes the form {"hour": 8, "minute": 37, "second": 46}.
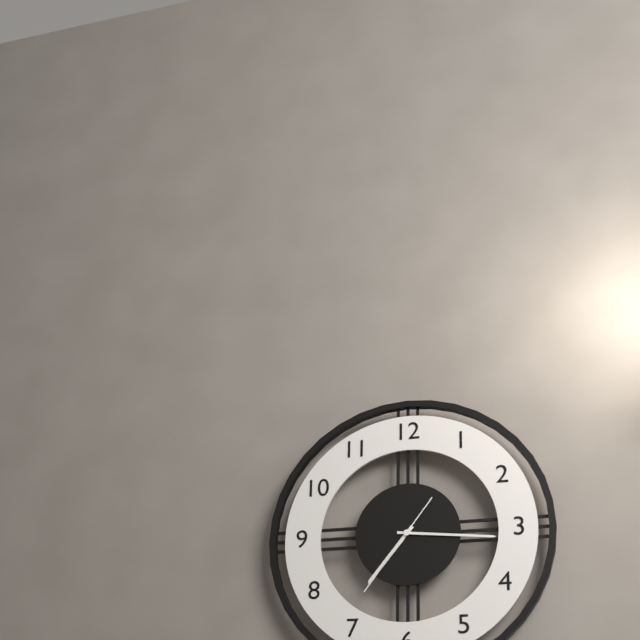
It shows {"hour": 7, "minute": 16, "second": 36}
